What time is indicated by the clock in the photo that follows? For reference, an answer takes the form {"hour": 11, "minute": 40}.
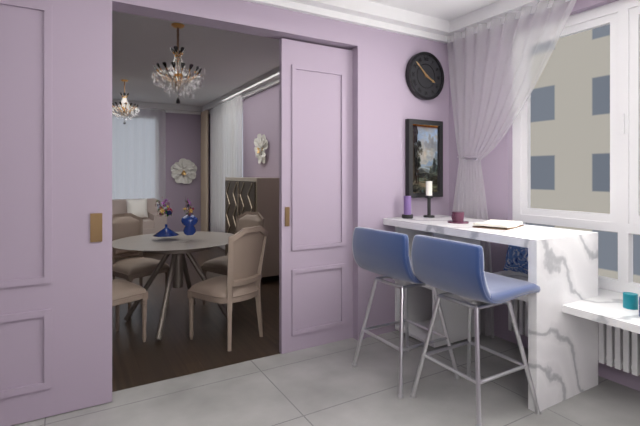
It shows {"hour": 3, "minute": 52}
